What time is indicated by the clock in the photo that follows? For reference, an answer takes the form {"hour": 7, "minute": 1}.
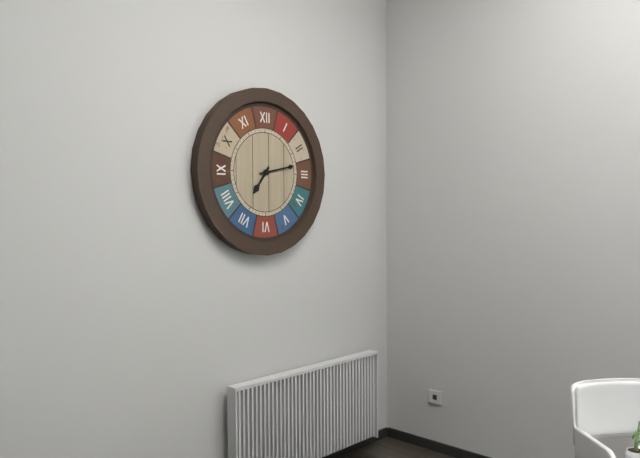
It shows {"hour": 7, "minute": 13}
